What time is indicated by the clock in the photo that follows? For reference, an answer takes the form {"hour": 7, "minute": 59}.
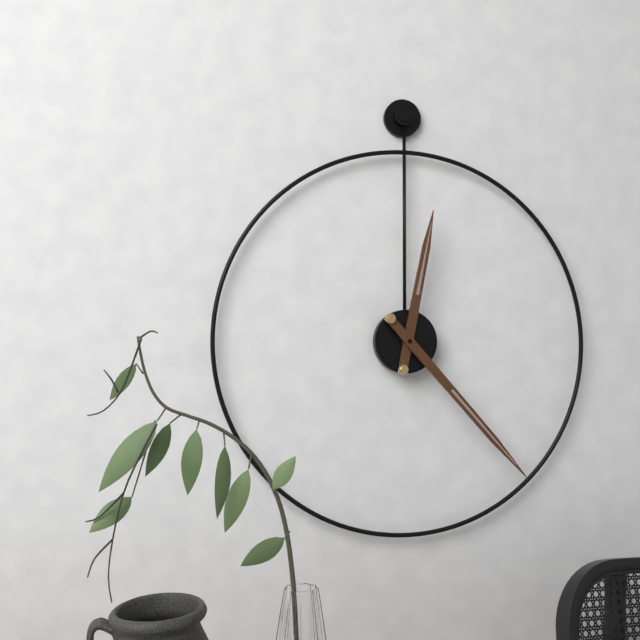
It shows {"hour": 12, "minute": 23}
